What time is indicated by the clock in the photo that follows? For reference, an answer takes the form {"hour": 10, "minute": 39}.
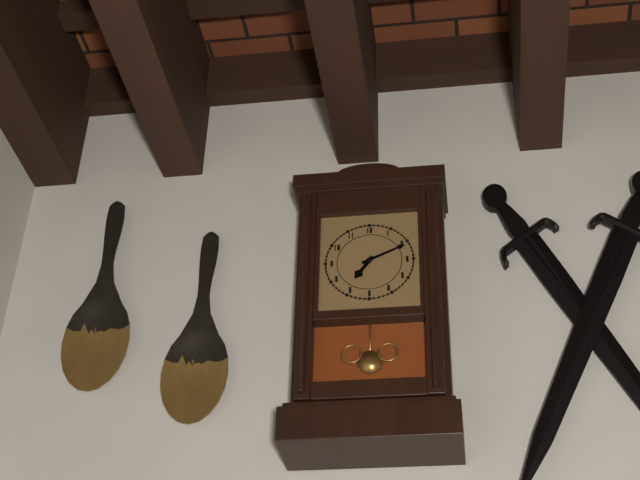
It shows {"hour": 7, "minute": 11}
